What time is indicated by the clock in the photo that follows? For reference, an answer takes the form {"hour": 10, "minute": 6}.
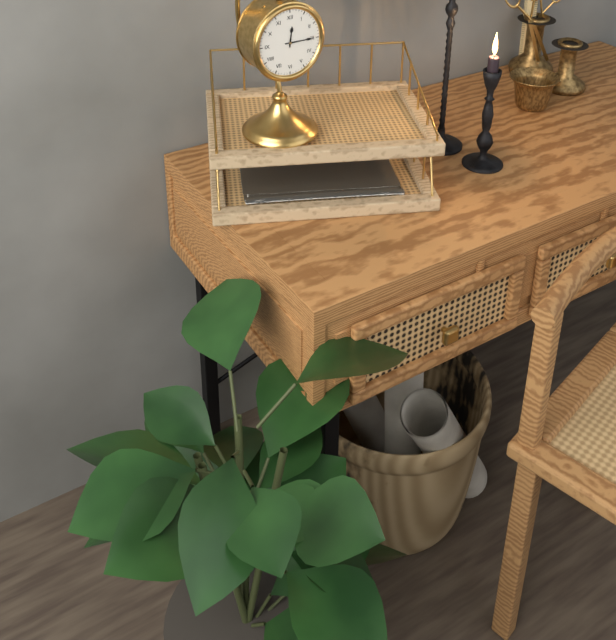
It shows {"hour": 12, "minute": 15}
